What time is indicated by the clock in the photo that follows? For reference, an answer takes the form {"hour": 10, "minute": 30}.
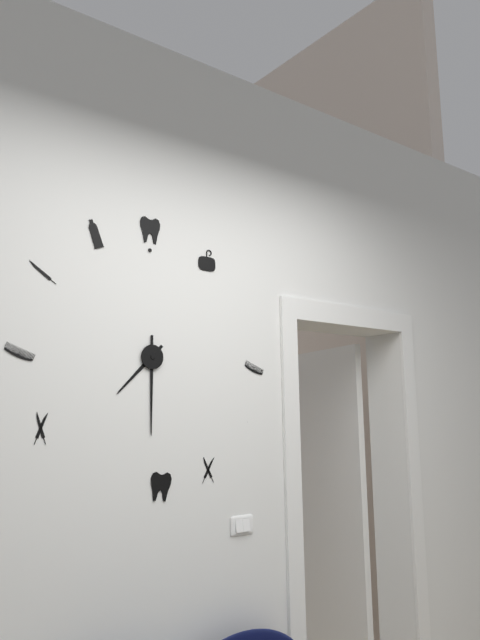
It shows {"hour": 7, "minute": 30}
